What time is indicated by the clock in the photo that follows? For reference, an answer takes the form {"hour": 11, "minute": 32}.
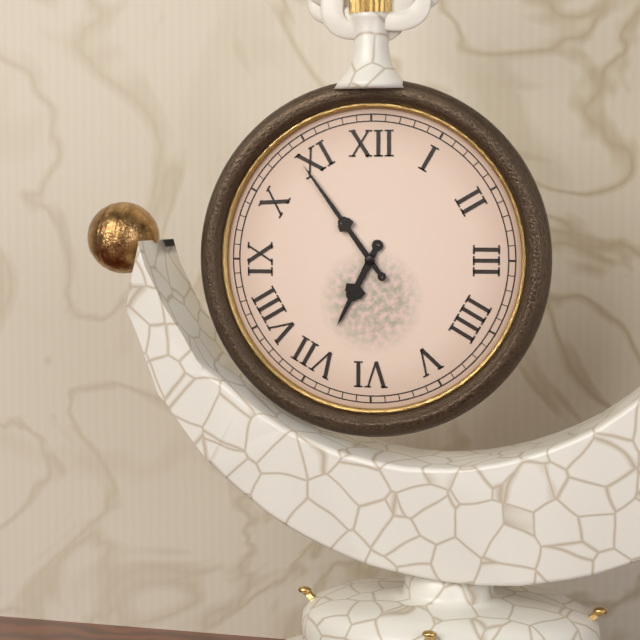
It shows {"hour": 6, "minute": 54}
